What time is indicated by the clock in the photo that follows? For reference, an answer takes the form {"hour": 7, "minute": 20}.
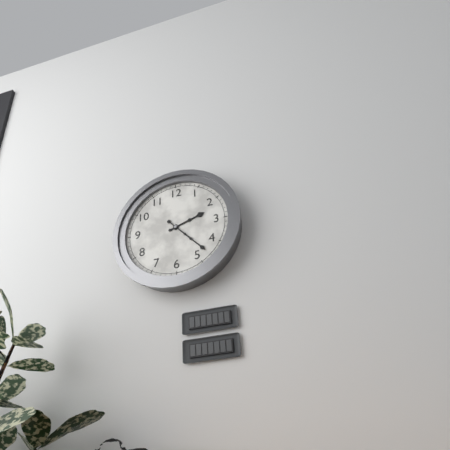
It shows {"hour": 2, "minute": 23}
